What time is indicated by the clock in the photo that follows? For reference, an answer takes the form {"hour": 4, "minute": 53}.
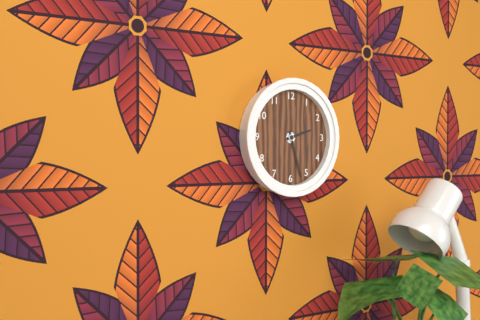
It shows {"hour": 2, "minute": 27}
